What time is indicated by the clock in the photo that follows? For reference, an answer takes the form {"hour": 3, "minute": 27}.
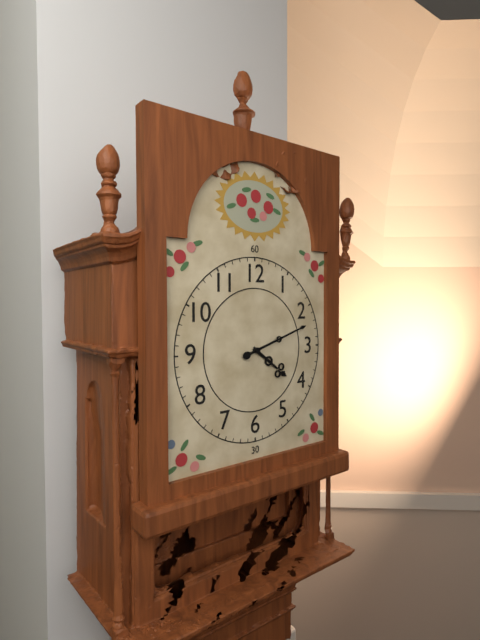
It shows {"hour": 4, "minute": 12}
